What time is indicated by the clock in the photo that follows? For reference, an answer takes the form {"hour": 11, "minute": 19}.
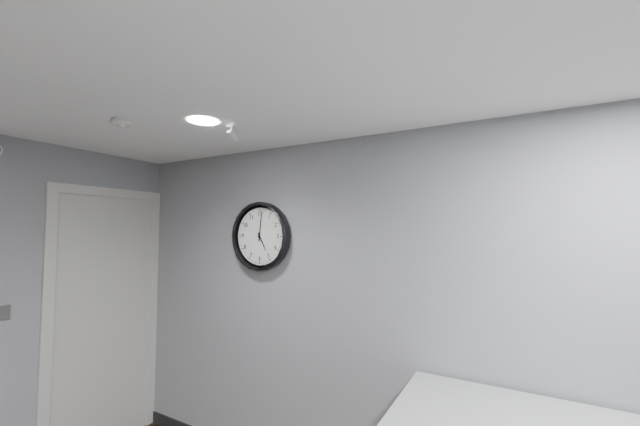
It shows {"hour": 5, "minute": 1}
